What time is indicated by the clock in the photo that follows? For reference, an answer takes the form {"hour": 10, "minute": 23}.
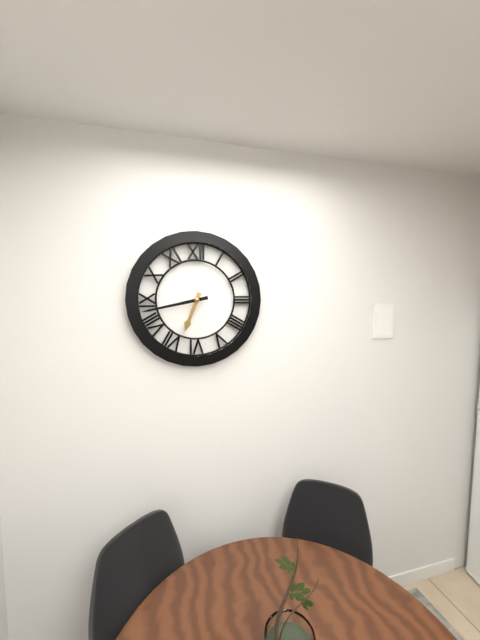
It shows {"hour": 6, "minute": 43}
